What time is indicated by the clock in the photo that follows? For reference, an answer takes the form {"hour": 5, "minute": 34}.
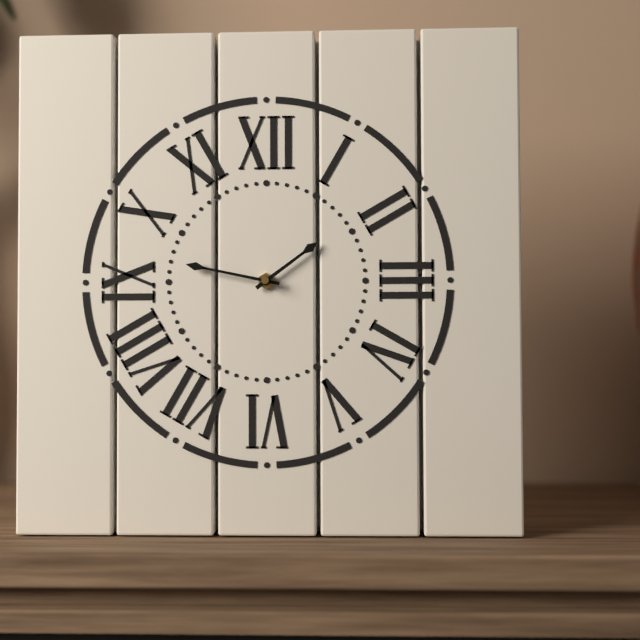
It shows {"hour": 1, "minute": 47}
